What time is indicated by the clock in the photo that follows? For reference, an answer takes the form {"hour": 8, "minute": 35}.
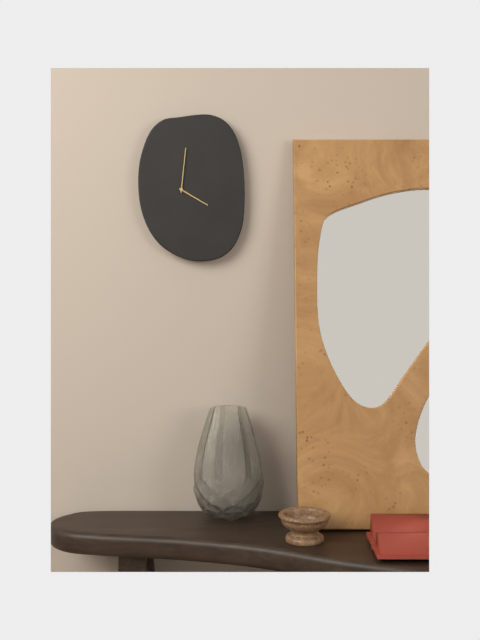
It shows {"hour": 4, "minute": 1}
